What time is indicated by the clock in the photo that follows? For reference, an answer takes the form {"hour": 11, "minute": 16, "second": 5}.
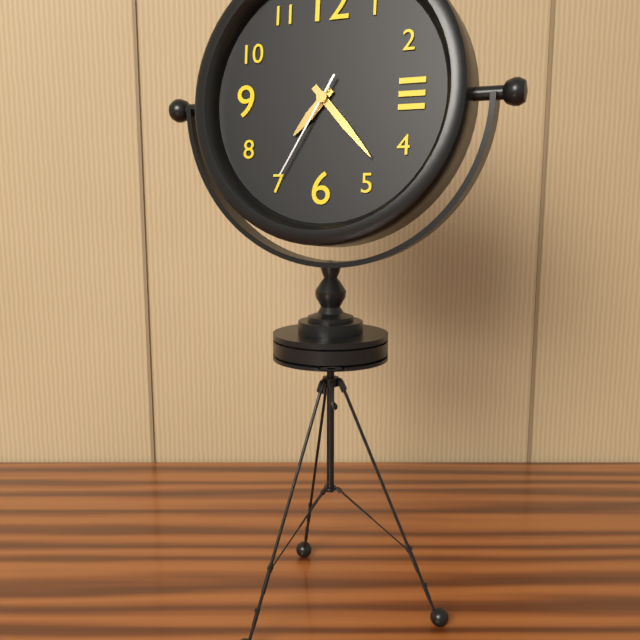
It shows {"hour": 7, "minute": 23, "second": 35}
